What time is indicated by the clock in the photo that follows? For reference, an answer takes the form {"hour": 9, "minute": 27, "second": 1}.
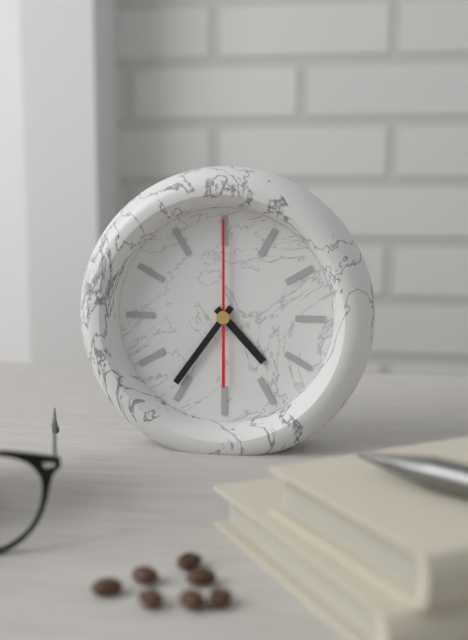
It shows {"hour": 4, "minute": 36, "second": 0}
